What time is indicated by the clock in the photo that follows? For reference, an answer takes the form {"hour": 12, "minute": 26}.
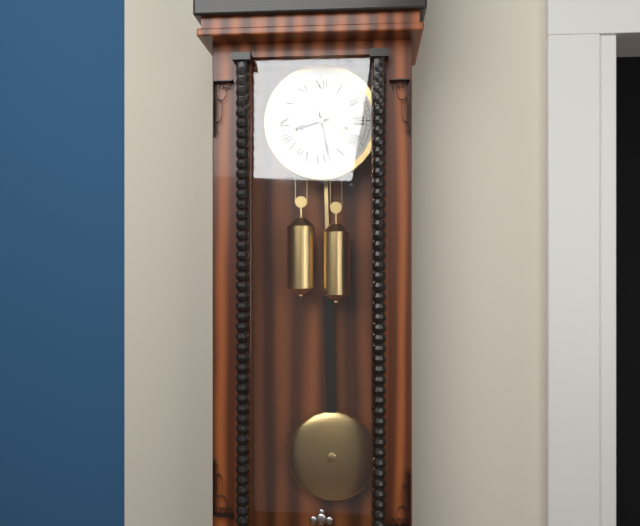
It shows {"hour": 8, "minute": 28}
